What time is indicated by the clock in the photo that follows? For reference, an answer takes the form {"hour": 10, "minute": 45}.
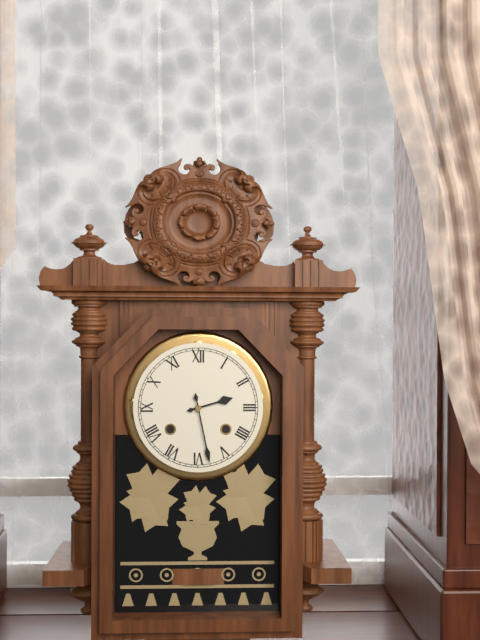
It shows {"hour": 2, "minute": 28}
